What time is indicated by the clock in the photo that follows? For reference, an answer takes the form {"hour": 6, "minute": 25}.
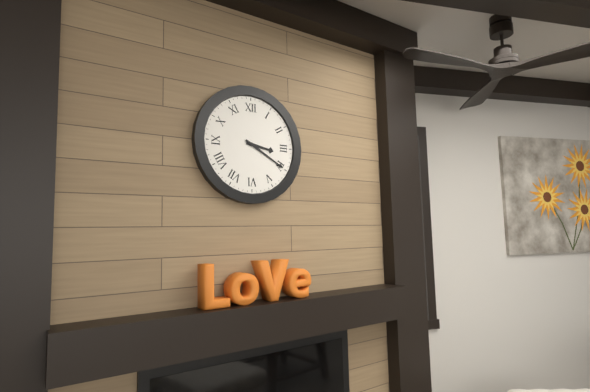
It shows {"hour": 3, "minute": 20}
